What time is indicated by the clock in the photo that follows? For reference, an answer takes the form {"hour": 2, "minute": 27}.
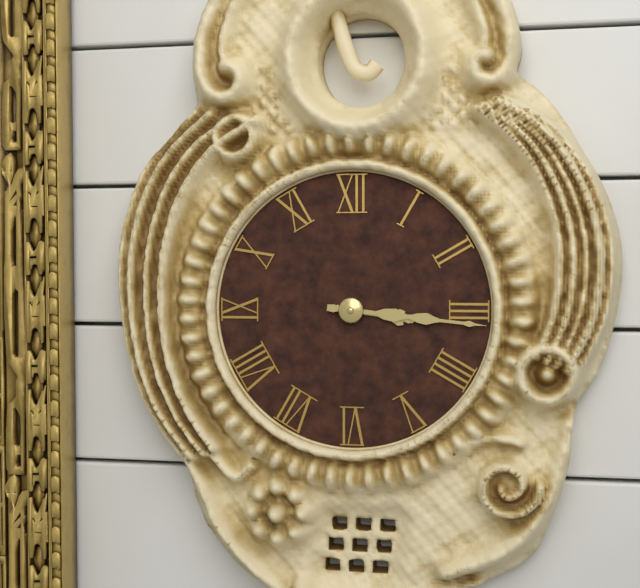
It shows {"hour": 3, "minute": 16}
